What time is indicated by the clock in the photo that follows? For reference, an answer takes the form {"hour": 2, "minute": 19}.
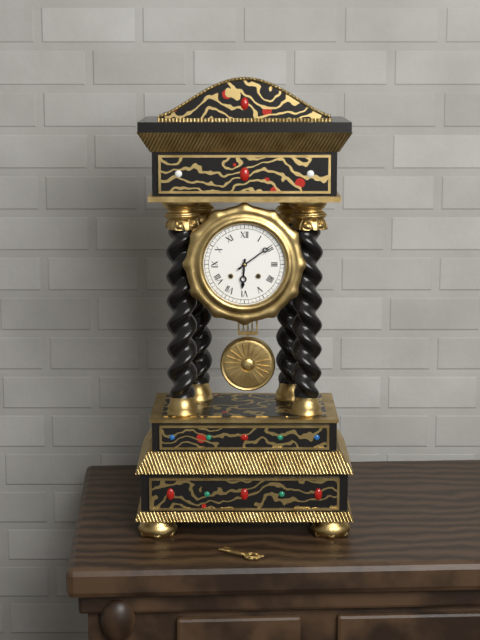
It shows {"hour": 6, "minute": 9}
